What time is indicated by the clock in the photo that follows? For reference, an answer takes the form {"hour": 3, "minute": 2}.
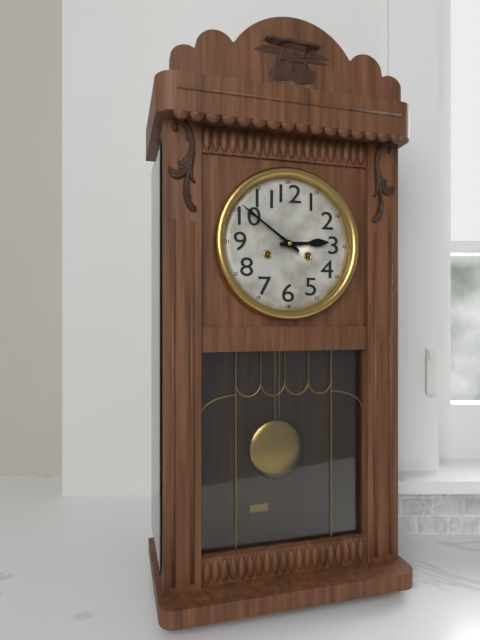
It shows {"hour": 2, "minute": 51}
